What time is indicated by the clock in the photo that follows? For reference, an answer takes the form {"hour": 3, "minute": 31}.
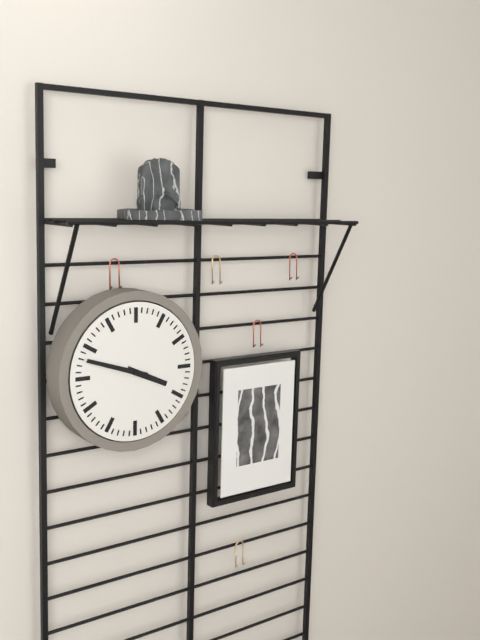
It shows {"hour": 3, "minute": 48}
